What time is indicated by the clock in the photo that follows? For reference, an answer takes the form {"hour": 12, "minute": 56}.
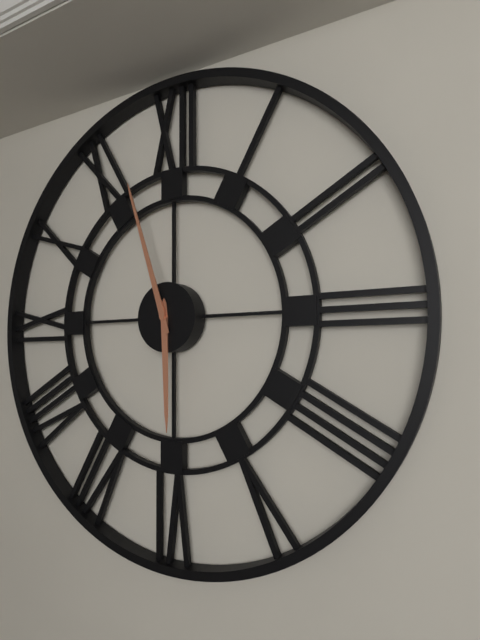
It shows {"hour": 5, "minute": 57}
